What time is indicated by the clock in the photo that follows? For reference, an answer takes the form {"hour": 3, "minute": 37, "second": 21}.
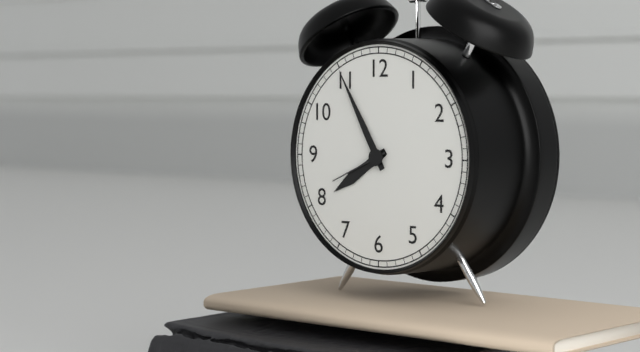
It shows {"hour": 7, "minute": 55, "second": 41}
